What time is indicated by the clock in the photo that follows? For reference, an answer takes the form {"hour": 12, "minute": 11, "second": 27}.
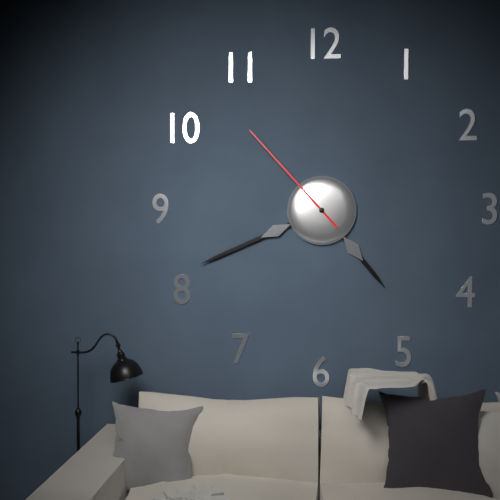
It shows {"hour": 4, "minute": 41, "second": 53}
